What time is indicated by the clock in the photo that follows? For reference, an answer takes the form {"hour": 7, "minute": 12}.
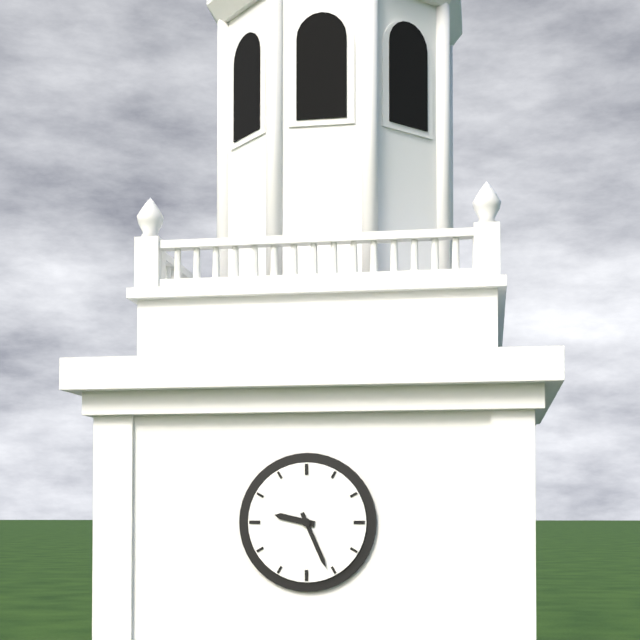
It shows {"hour": 9, "minute": 26}
